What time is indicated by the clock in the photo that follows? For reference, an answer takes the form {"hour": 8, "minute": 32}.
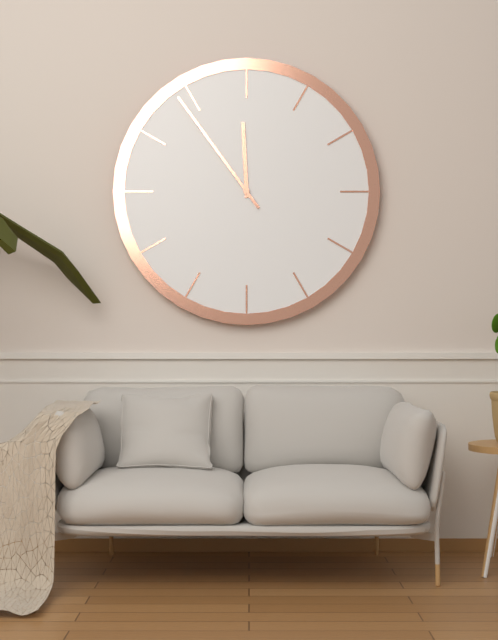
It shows {"hour": 11, "minute": 54}
